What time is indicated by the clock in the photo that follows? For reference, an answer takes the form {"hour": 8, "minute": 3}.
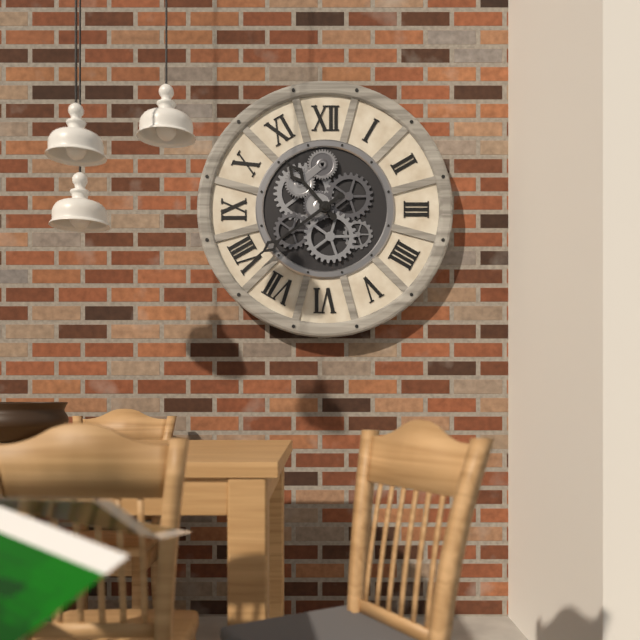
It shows {"hour": 10, "minute": 39}
